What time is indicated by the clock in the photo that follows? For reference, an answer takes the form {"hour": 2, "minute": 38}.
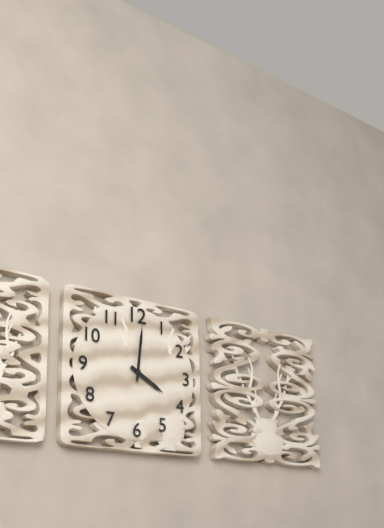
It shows {"hour": 4, "minute": 1}
